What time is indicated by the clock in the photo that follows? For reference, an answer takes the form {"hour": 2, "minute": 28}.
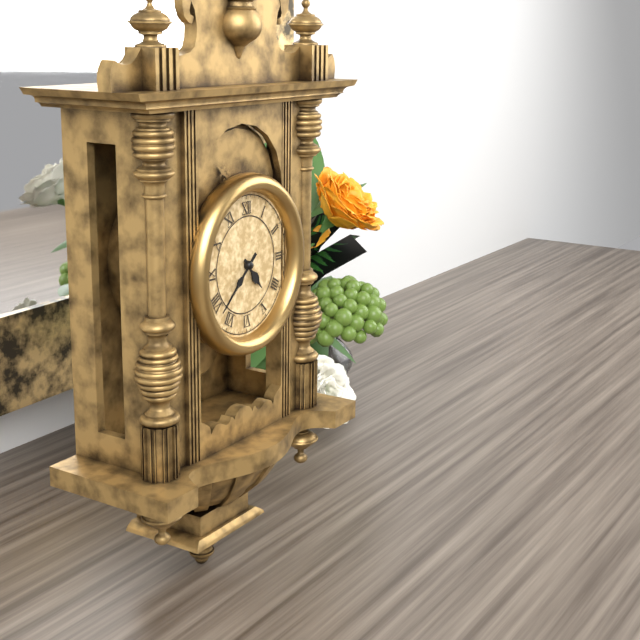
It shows {"hour": 4, "minute": 38}
